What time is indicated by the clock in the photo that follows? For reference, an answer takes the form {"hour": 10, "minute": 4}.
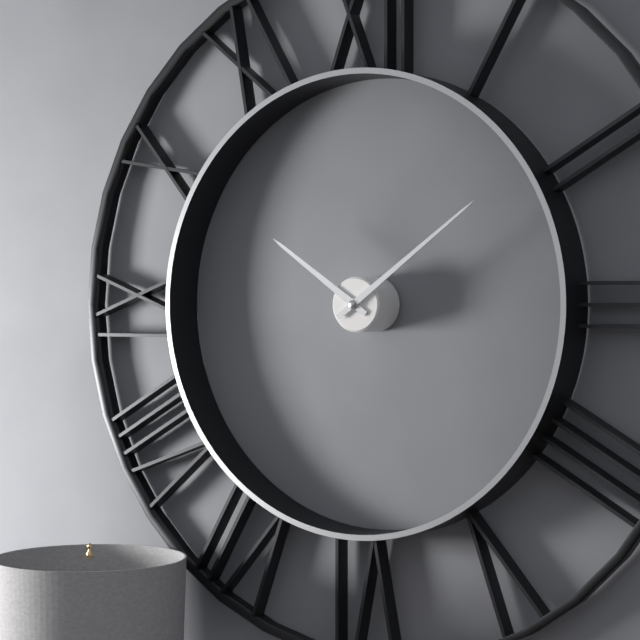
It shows {"hour": 10, "minute": 9}
